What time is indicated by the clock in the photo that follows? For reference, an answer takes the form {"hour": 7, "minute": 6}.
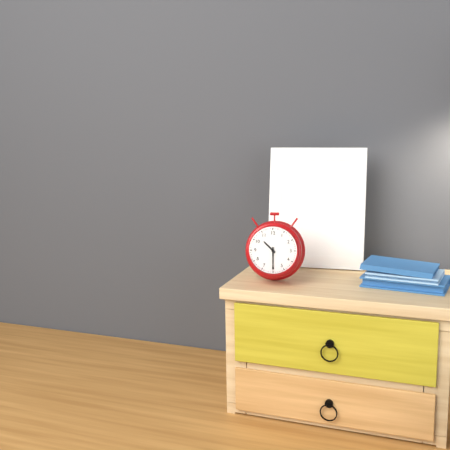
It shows {"hour": 10, "minute": 30}
